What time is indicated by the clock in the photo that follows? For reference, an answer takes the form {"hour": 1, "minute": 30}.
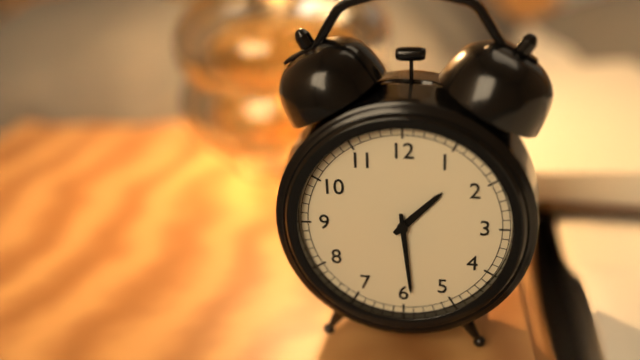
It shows {"hour": 1, "minute": 29}
